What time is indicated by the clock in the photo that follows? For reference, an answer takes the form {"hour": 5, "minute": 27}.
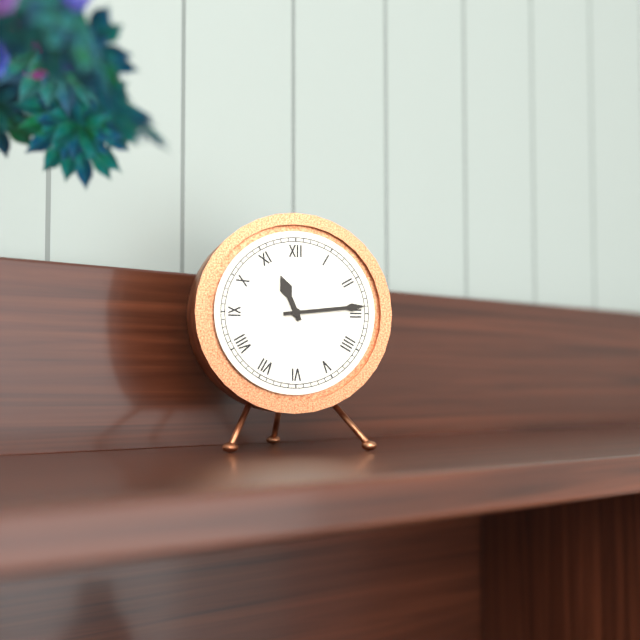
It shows {"hour": 11, "minute": 14}
